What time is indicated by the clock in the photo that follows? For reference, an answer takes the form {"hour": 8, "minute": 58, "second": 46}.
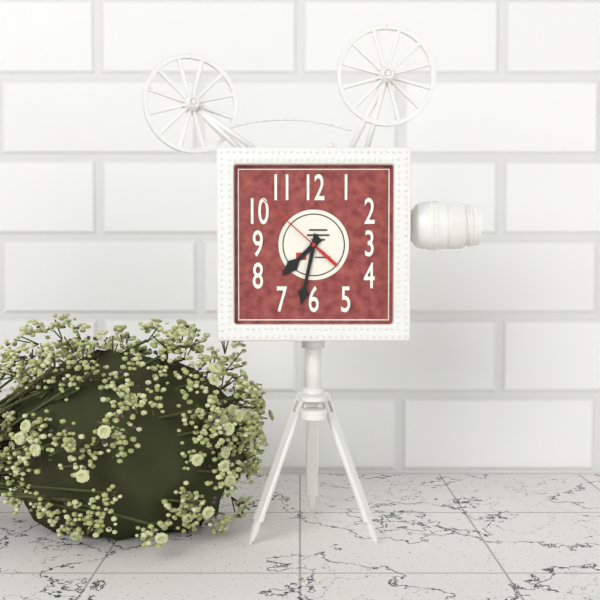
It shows {"hour": 7, "minute": 32, "second": 52}
